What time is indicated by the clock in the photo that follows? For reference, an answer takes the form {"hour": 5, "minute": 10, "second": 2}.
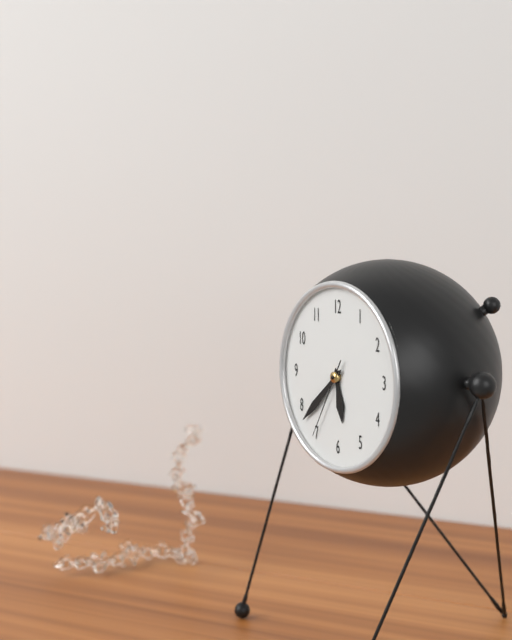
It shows {"hour": 5, "minute": 38, "second": 35}
